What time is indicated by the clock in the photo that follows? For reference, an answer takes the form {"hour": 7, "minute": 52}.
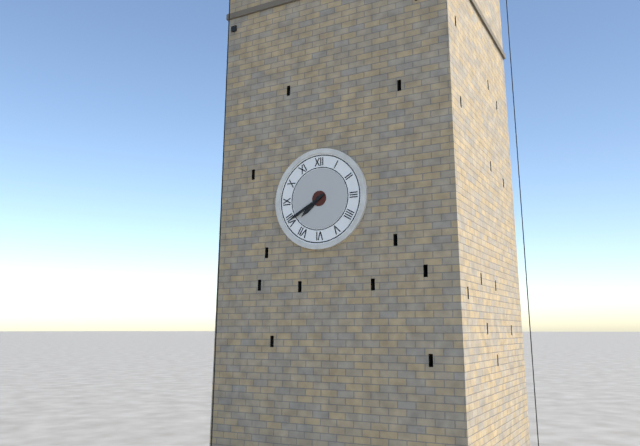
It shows {"hour": 7, "minute": 40}
